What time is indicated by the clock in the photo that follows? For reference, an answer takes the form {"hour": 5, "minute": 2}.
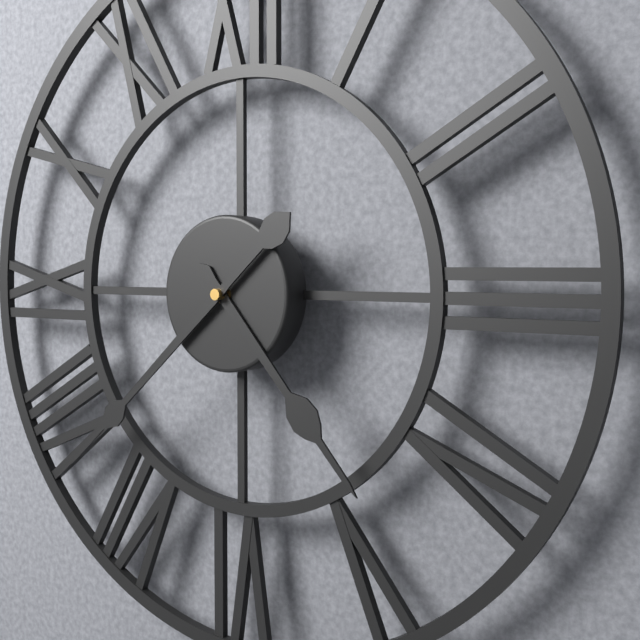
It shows {"hour": 4, "minute": 38}
